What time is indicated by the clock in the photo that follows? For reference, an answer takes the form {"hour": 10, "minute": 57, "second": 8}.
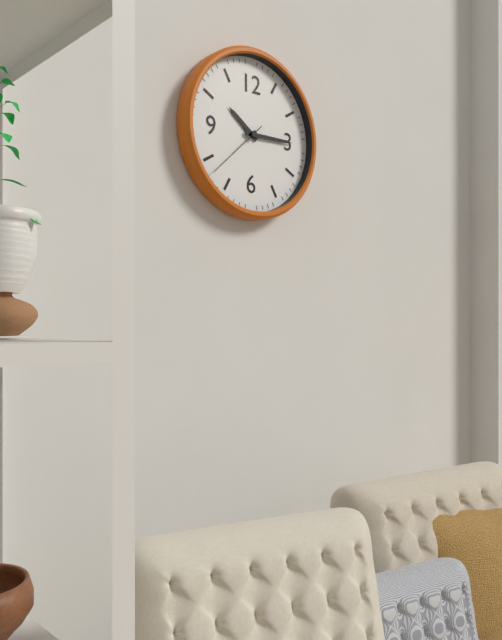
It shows {"hour": 10, "minute": 15, "second": 38}
